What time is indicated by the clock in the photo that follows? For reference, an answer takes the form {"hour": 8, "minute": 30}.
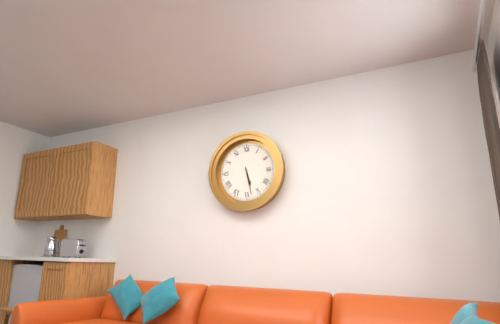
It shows {"hour": 5, "minute": 28}
